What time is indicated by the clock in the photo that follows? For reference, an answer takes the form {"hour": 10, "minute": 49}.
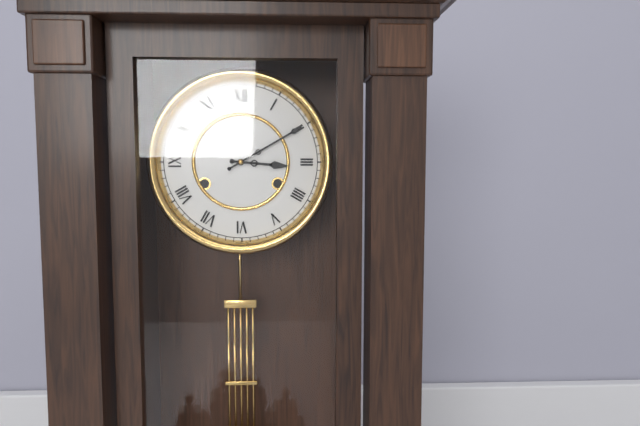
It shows {"hour": 3, "minute": 10}
